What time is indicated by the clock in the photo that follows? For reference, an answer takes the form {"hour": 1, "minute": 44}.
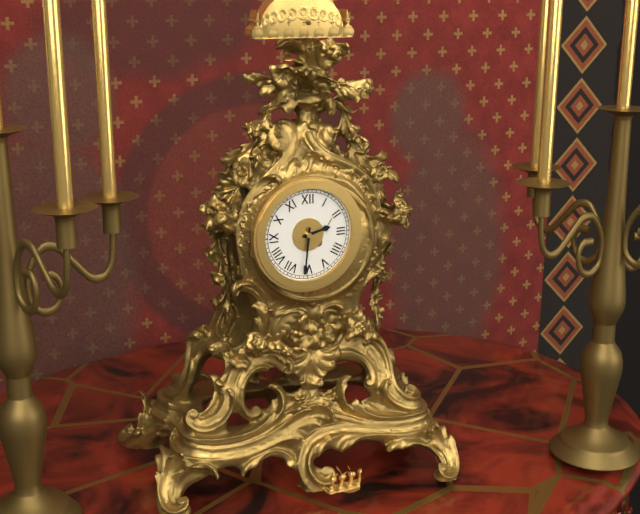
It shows {"hour": 2, "minute": 31}
